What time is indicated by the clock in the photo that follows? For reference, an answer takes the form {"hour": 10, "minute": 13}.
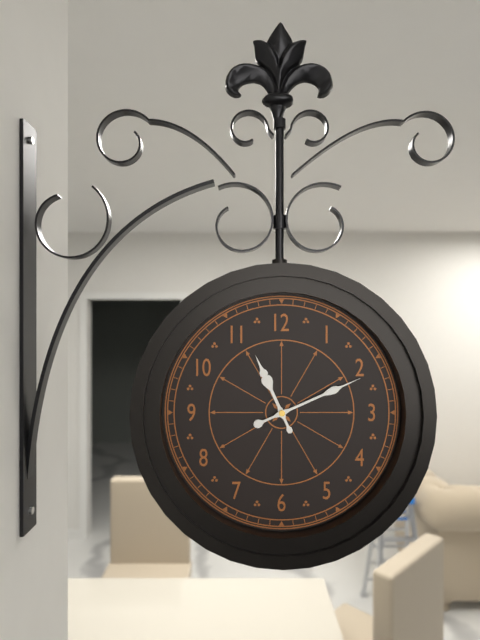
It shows {"hour": 11, "minute": 11}
